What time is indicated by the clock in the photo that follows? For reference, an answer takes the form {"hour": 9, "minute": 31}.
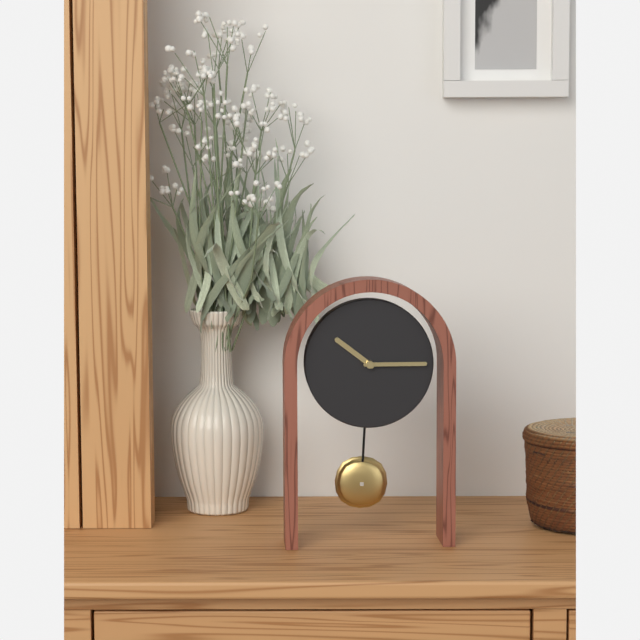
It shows {"hour": 10, "minute": 15}
